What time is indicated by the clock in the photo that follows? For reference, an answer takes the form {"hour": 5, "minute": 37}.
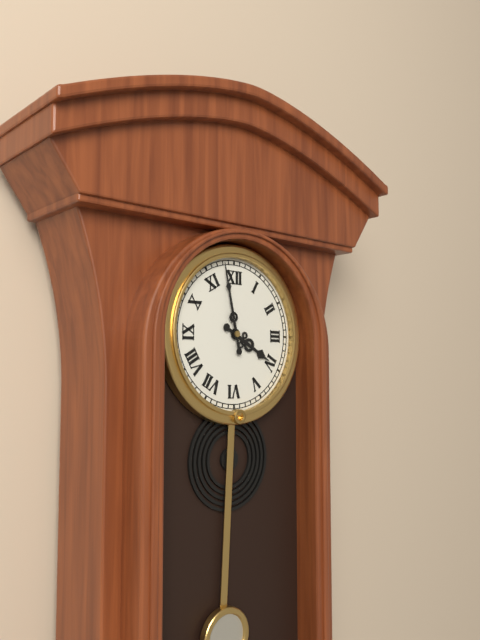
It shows {"hour": 3, "minute": 58}
